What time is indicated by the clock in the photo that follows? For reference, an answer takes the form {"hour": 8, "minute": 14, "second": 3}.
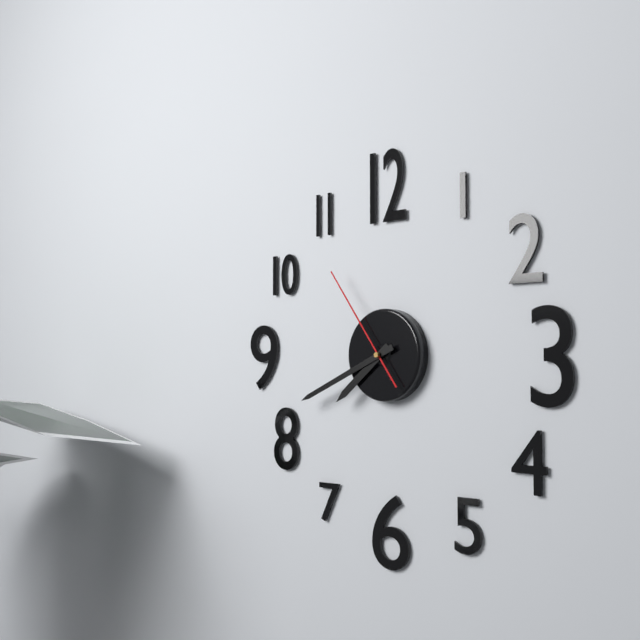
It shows {"hour": 7, "minute": 41, "second": 54}
